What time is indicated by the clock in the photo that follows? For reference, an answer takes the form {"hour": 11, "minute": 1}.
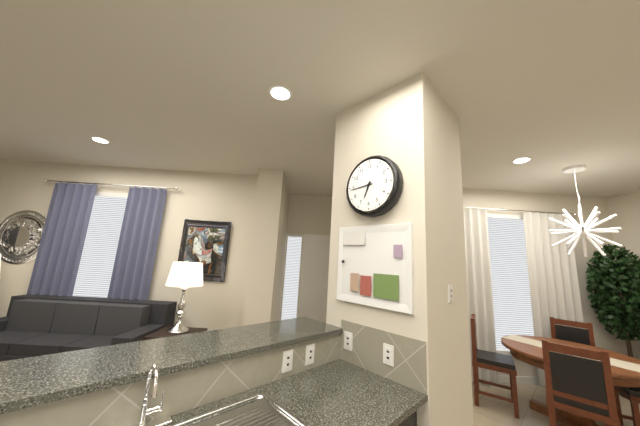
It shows {"hour": 6, "minute": 44}
